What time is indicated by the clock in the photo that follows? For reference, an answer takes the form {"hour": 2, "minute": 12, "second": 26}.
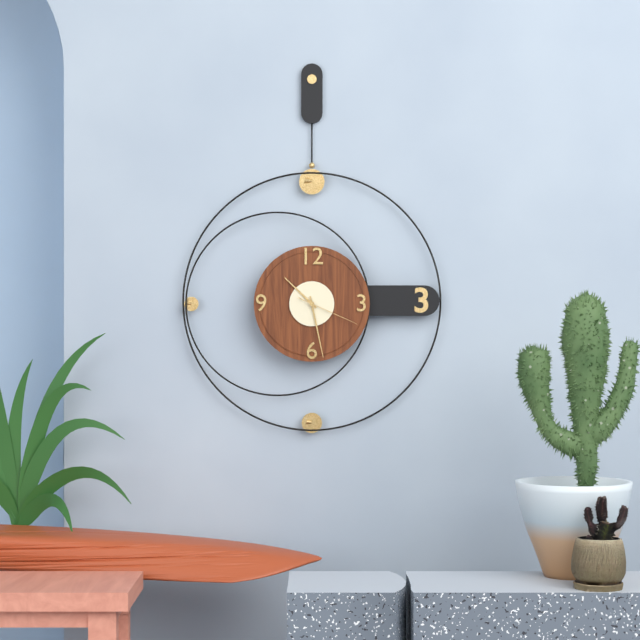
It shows {"hour": 10, "minute": 28, "second": 19}
